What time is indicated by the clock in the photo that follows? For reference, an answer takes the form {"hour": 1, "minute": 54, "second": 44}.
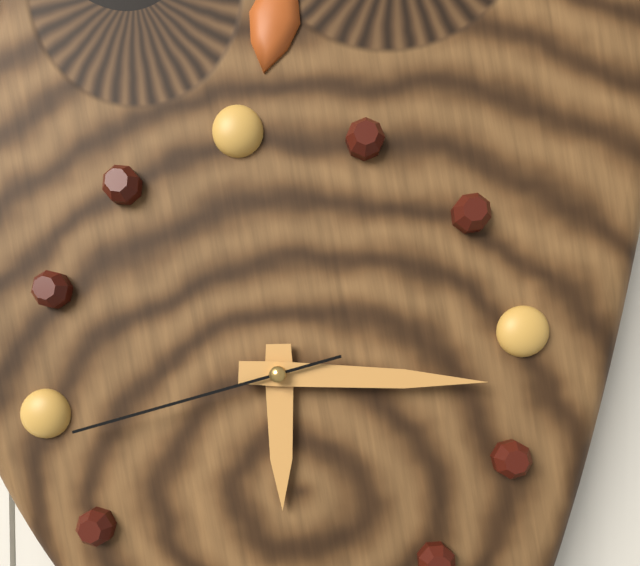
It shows {"hour": 6, "minute": 17, "second": 44}
